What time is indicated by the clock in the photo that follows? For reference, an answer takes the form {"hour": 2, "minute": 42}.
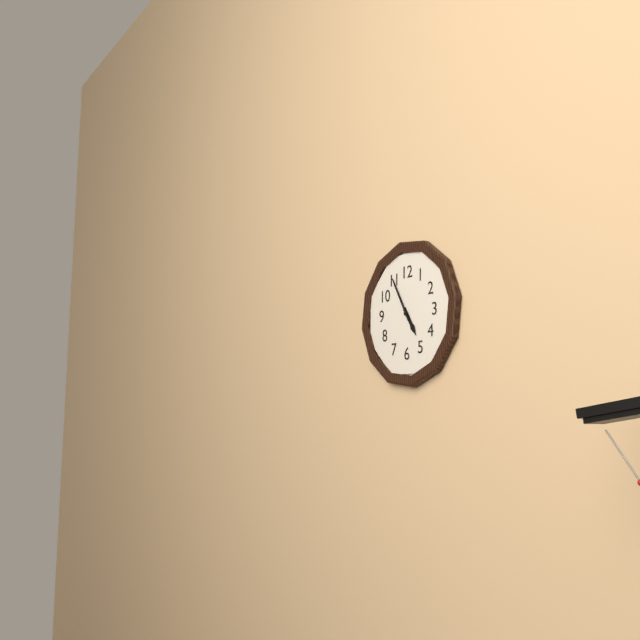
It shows {"hour": 4, "minute": 55}
